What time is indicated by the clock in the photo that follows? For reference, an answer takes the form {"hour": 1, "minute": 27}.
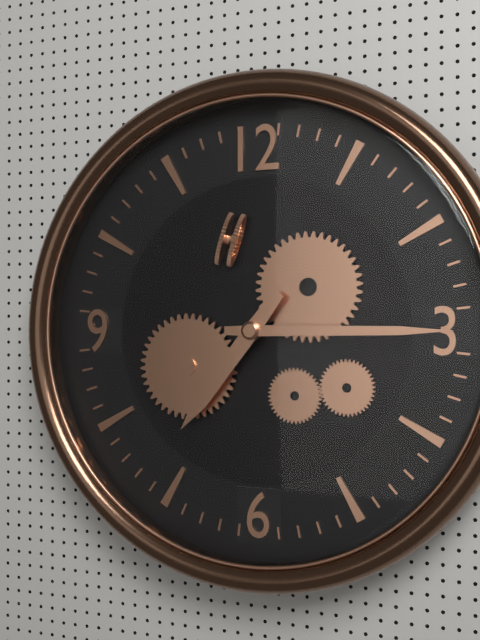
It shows {"hour": 7, "minute": 15}
